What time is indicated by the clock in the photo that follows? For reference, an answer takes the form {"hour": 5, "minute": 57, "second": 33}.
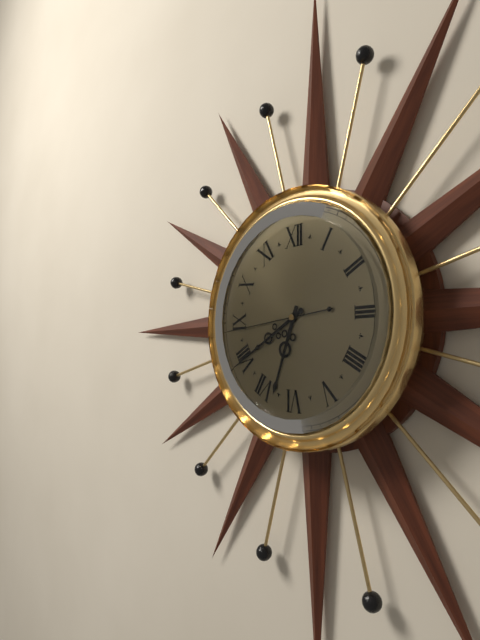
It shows {"hour": 6, "minute": 40, "second": 44}
